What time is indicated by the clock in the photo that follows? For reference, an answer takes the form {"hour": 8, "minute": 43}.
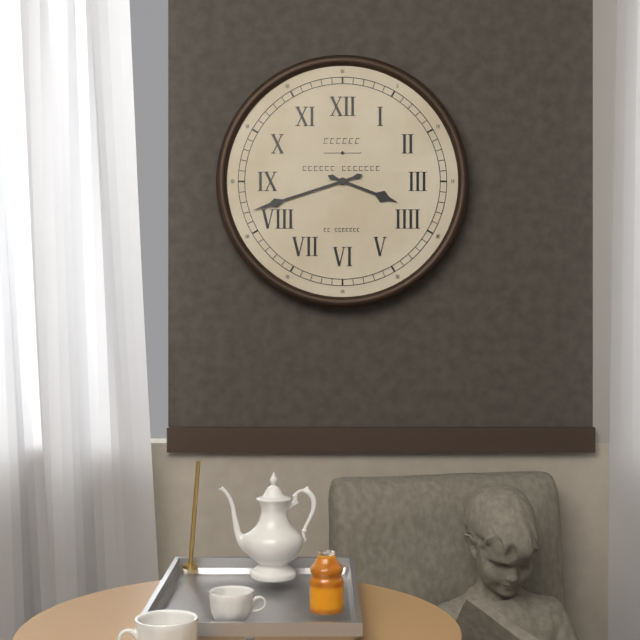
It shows {"hour": 3, "minute": 42}
